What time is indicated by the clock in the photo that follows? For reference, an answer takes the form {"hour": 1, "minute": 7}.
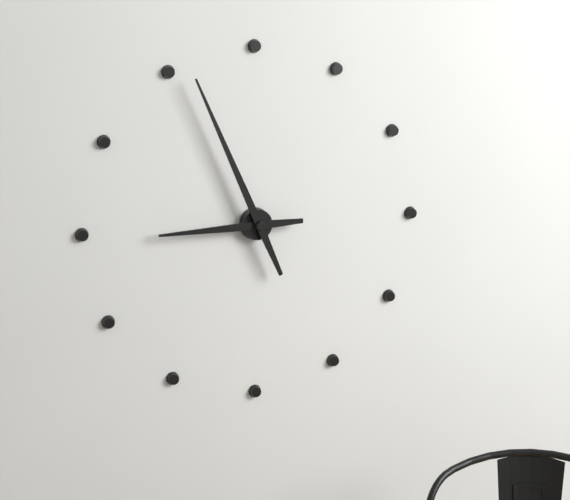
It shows {"hour": 8, "minute": 56}
